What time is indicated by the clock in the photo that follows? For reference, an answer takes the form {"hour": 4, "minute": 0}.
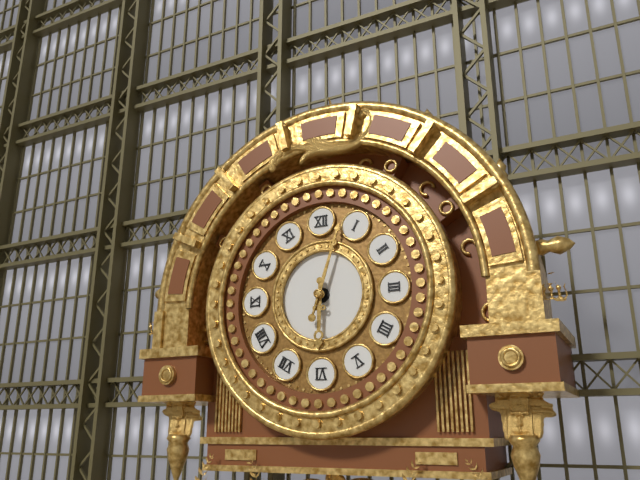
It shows {"hour": 6, "minute": 3}
